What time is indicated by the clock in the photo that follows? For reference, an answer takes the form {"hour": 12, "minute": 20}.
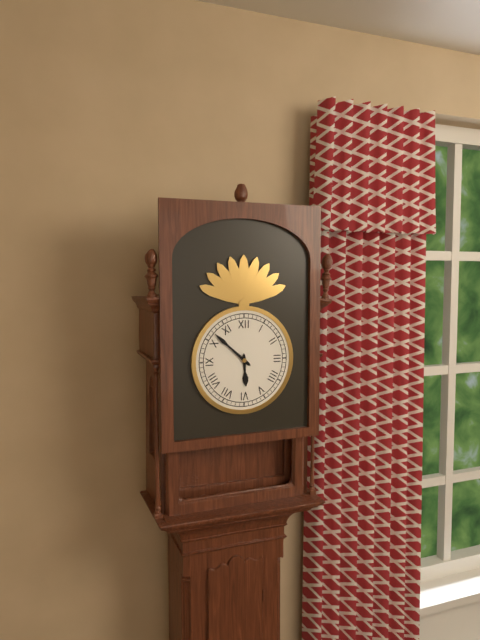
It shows {"hour": 5, "minute": 52}
